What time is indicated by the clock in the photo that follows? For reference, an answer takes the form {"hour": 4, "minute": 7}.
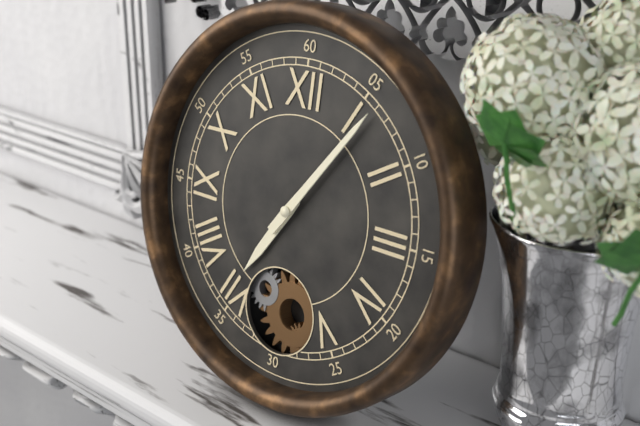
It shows {"hour": 7, "minute": 6}
